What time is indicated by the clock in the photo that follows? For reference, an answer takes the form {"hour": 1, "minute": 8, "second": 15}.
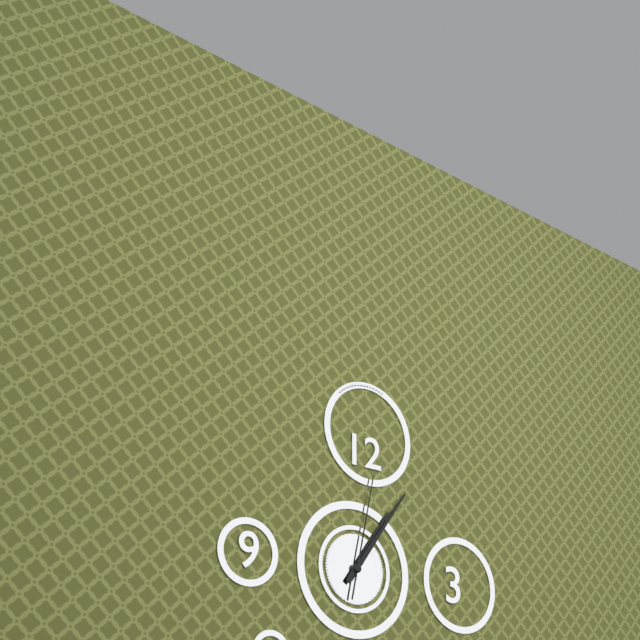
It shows {"hour": 1, "minute": 6, "second": 2}
